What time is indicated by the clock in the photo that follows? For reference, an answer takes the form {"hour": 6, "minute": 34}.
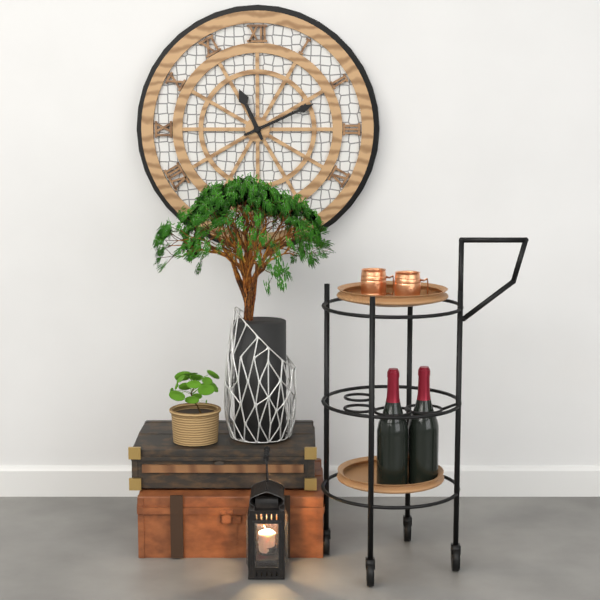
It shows {"hour": 11, "minute": 11}
